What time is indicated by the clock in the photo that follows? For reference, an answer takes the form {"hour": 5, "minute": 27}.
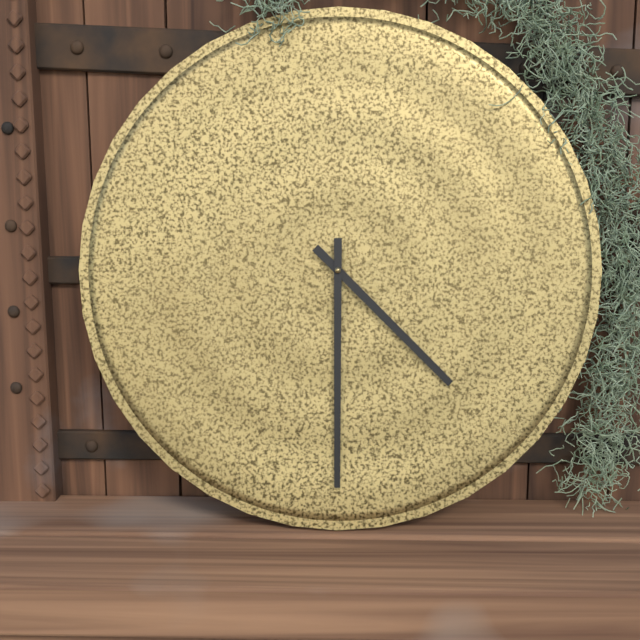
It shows {"hour": 4, "minute": 30}
